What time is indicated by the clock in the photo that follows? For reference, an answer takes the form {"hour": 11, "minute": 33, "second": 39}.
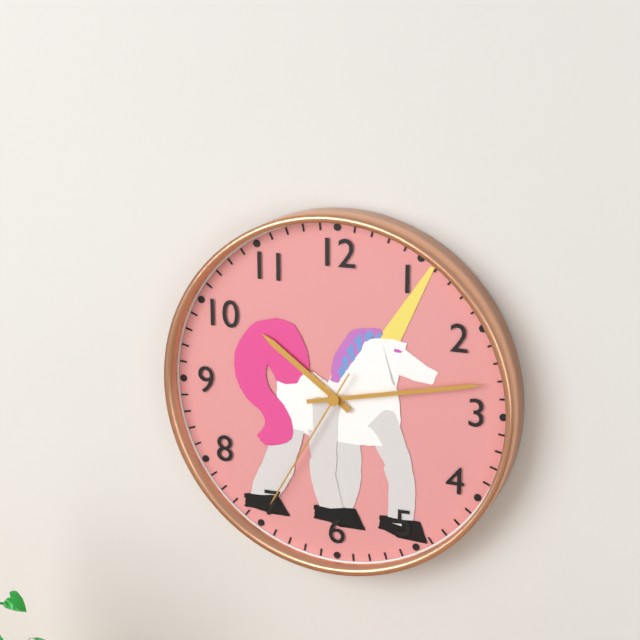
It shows {"hour": 10, "minute": 13, "second": 35}
